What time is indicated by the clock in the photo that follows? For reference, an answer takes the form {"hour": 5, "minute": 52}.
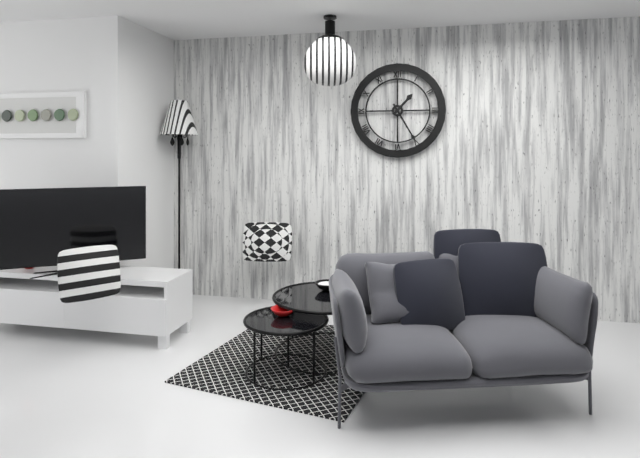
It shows {"hour": 1, "minute": 25}
